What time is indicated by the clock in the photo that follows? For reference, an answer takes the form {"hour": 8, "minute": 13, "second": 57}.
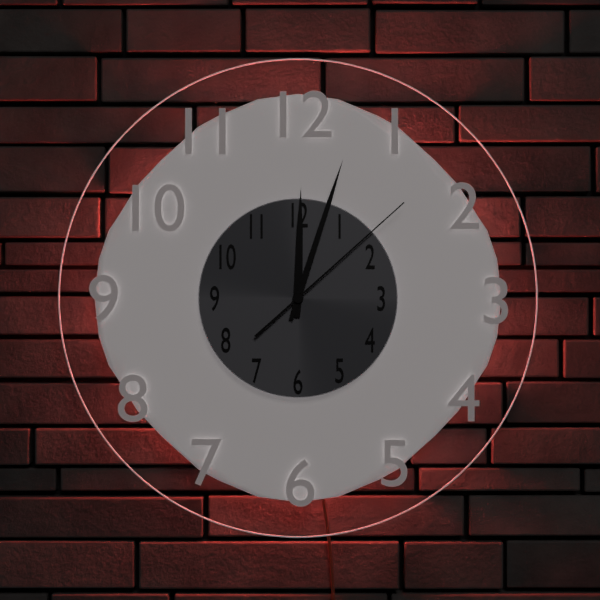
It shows {"hour": 12, "minute": 3, "second": 8}
